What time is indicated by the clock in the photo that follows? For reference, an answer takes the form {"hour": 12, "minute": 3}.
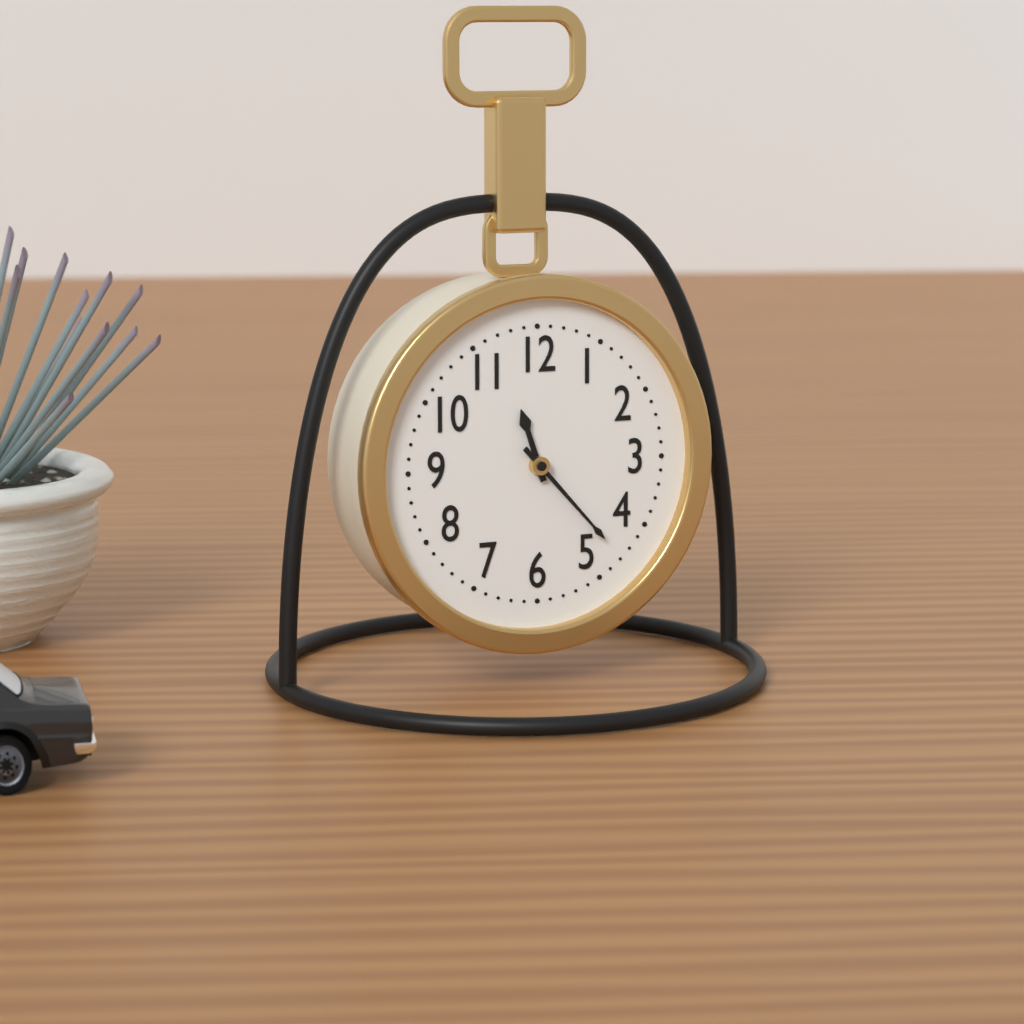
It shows {"hour": 11, "minute": 23}
